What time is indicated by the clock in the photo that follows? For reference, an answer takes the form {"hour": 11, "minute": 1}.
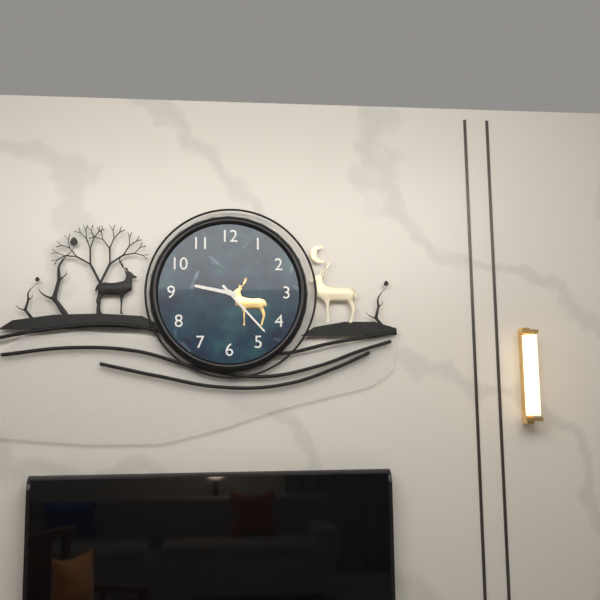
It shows {"hour": 9, "minute": 23}
